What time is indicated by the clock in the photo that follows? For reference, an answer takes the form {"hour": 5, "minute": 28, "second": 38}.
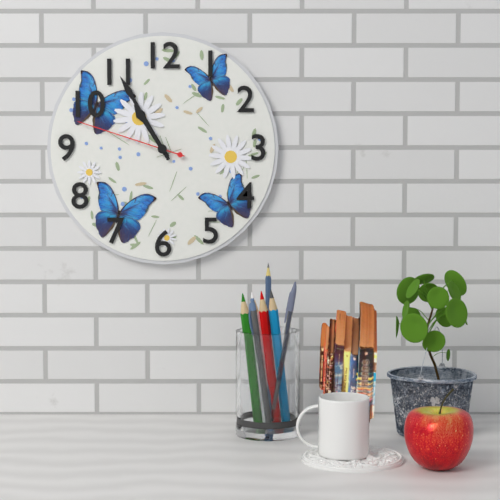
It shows {"hour": 10, "minute": 55, "second": 48}
